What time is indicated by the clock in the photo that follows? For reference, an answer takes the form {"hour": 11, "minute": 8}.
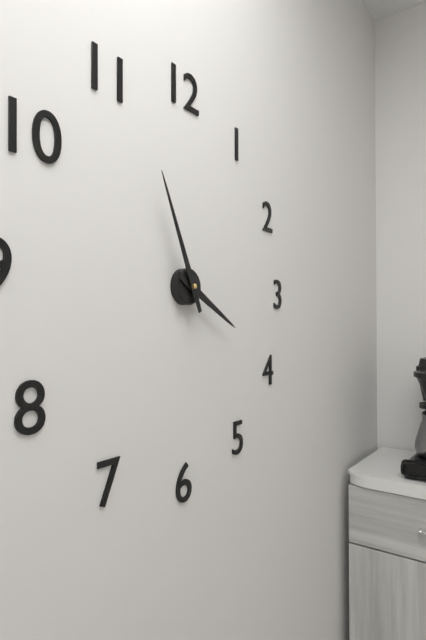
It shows {"hour": 3, "minute": 56}
